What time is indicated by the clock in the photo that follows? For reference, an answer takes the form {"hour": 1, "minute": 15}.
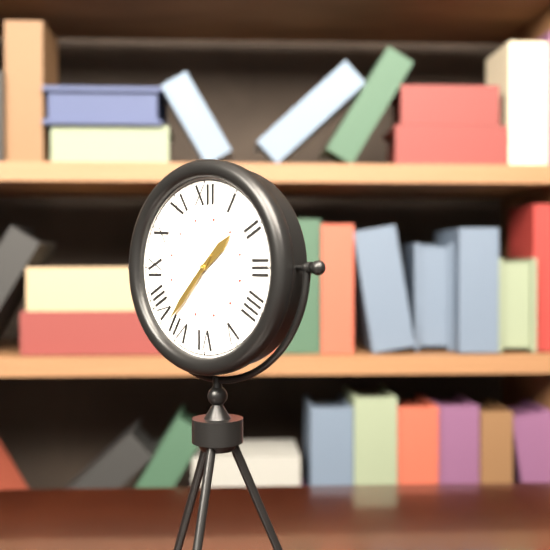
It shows {"hour": 1, "minute": 37}
